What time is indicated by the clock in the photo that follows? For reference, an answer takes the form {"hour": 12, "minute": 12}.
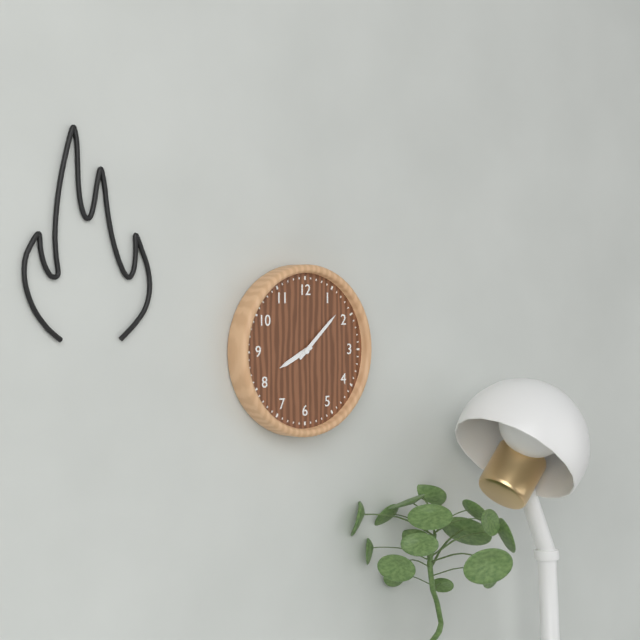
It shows {"hour": 8, "minute": 8}
